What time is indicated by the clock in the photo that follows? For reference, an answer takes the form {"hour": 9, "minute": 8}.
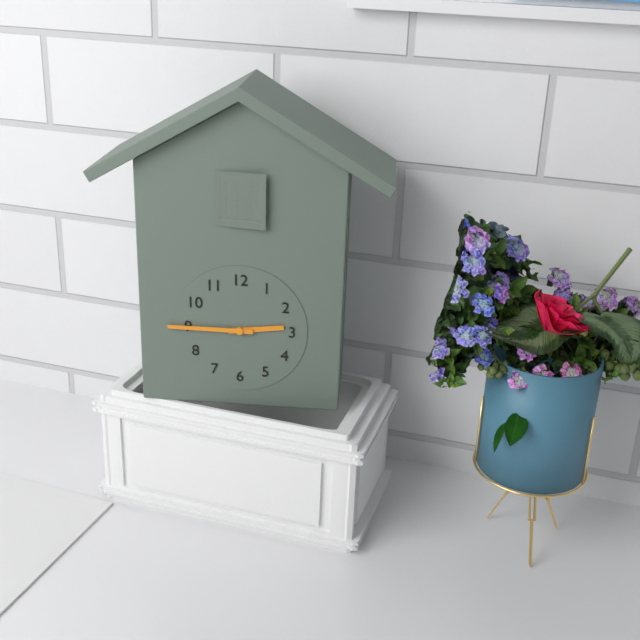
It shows {"hour": 2, "minute": 45}
